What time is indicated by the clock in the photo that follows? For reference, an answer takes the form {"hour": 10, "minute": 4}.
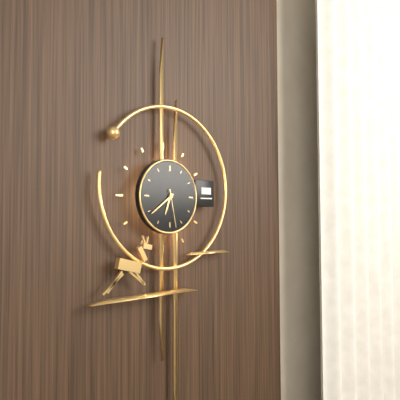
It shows {"hour": 6, "minute": 39}
